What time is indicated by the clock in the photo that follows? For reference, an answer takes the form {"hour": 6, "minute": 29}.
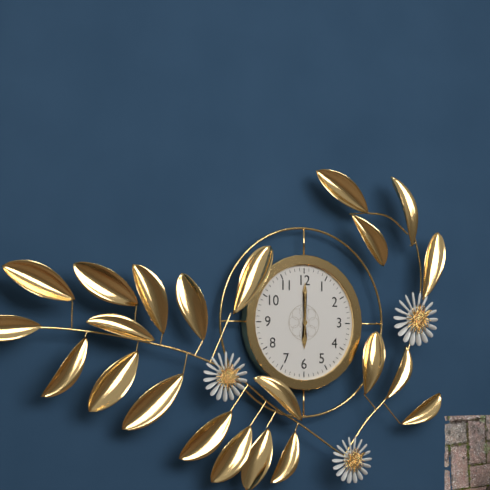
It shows {"hour": 6, "minute": 0}
